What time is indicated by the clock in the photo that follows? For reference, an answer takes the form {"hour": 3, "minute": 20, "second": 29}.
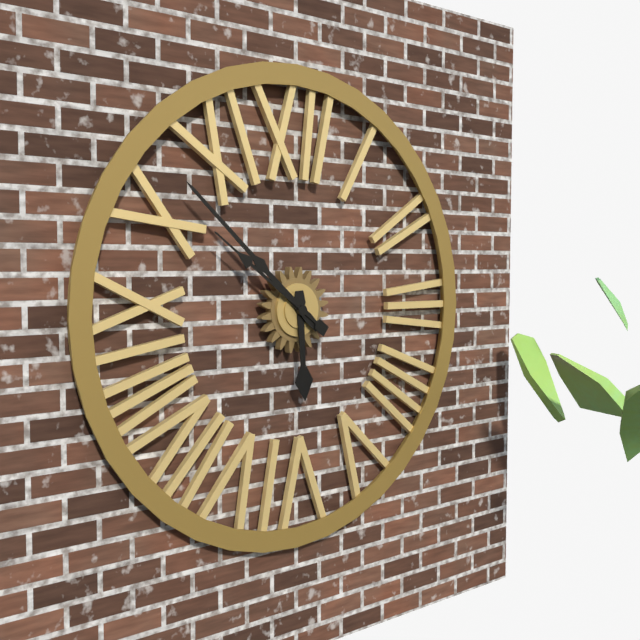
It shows {"hour": 5, "minute": 52, "second": 51}
